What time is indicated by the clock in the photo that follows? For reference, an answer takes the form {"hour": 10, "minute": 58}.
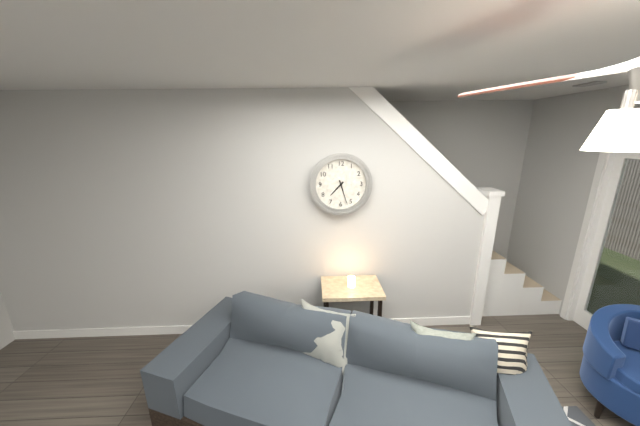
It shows {"hour": 7, "minute": 27}
